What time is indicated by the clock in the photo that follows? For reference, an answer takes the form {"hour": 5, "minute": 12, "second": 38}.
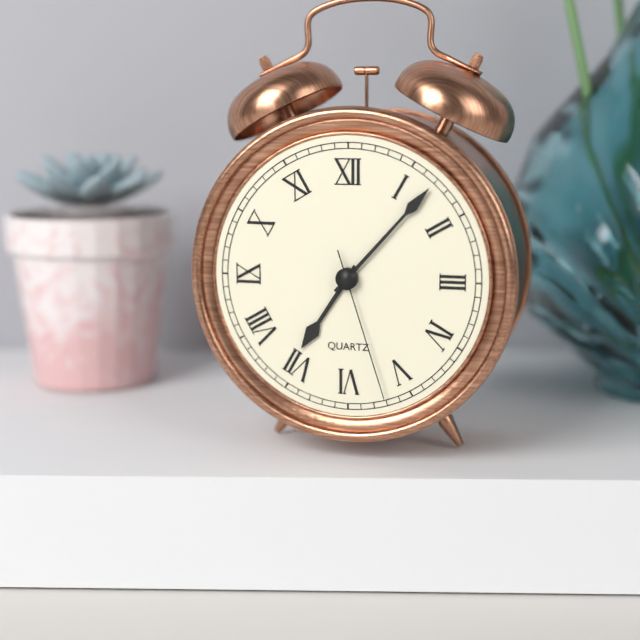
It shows {"hour": 7, "minute": 7, "second": 27}
